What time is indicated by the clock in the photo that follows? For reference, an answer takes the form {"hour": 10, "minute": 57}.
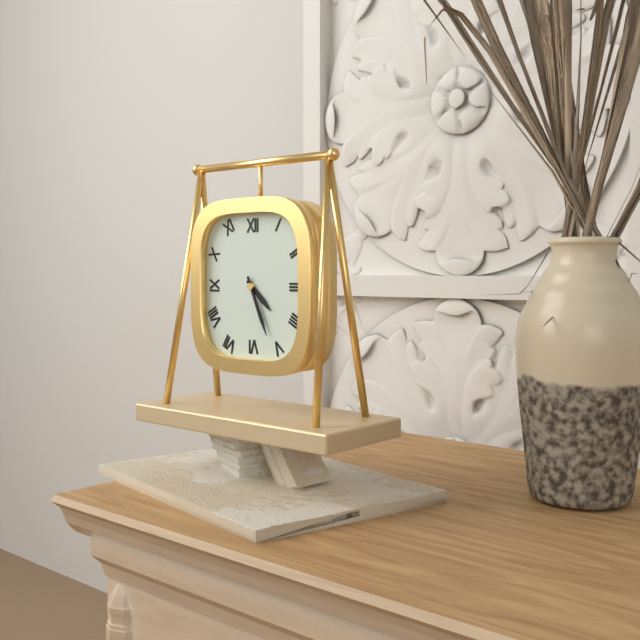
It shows {"hour": 4, "minute": 26}
